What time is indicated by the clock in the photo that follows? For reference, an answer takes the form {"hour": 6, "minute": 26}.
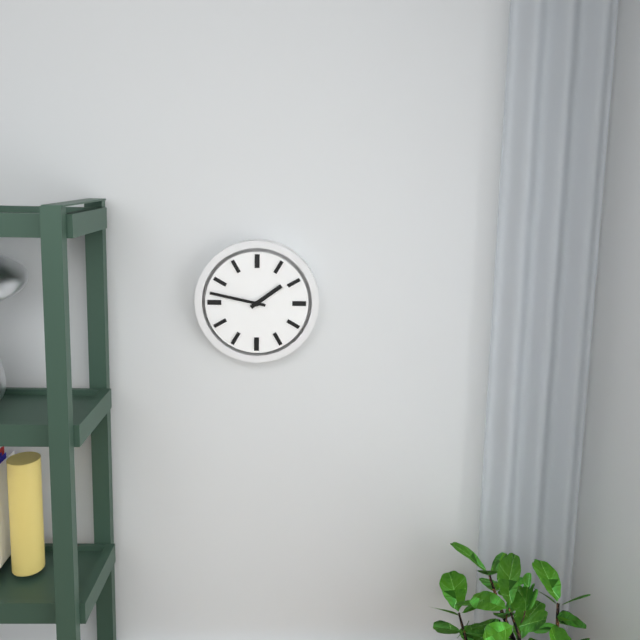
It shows {"hour": 1, "minute": 47}
